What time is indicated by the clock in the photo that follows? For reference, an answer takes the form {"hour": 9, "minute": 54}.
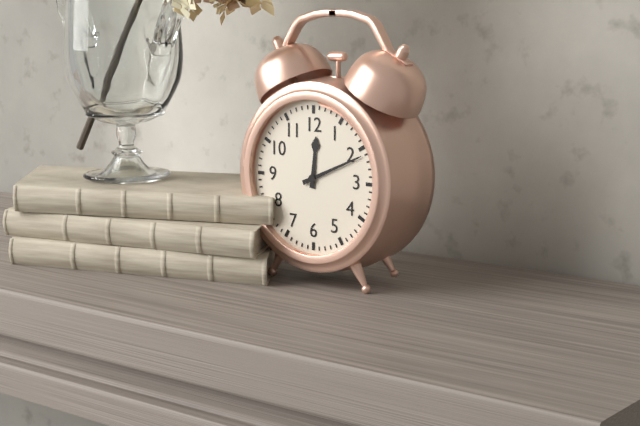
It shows {"hour": 12, "minute": 11}
